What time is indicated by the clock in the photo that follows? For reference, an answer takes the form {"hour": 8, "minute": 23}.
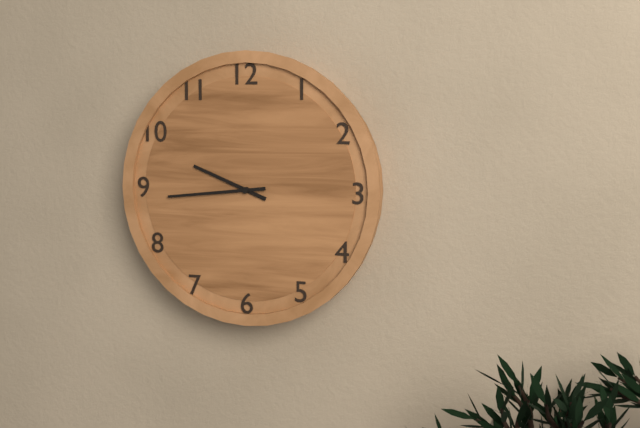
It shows {"hour": 9, "minute": 44}
